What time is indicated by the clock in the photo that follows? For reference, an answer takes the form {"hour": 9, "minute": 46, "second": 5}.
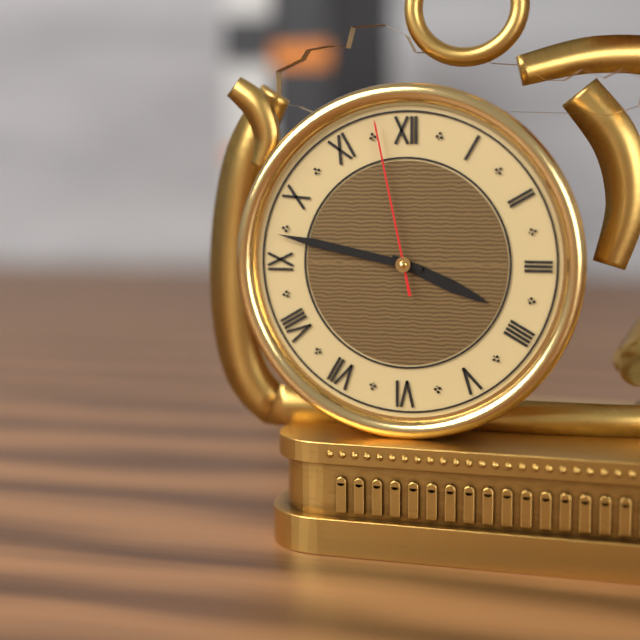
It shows {"hour": 3, "minute": 47, "second": 58}
